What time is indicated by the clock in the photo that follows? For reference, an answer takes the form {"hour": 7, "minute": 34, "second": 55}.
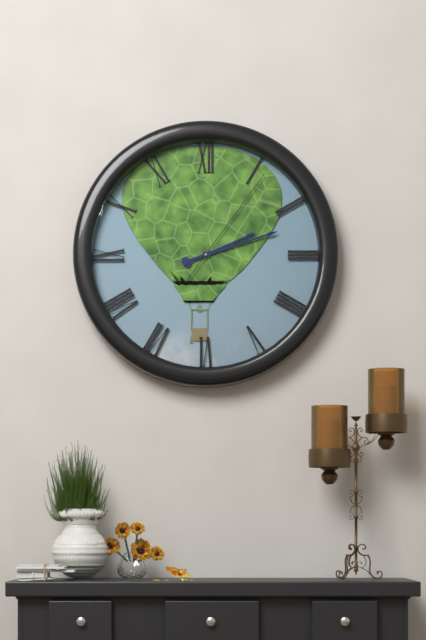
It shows {"hour": 2, "minute": 12, "second": 6}
